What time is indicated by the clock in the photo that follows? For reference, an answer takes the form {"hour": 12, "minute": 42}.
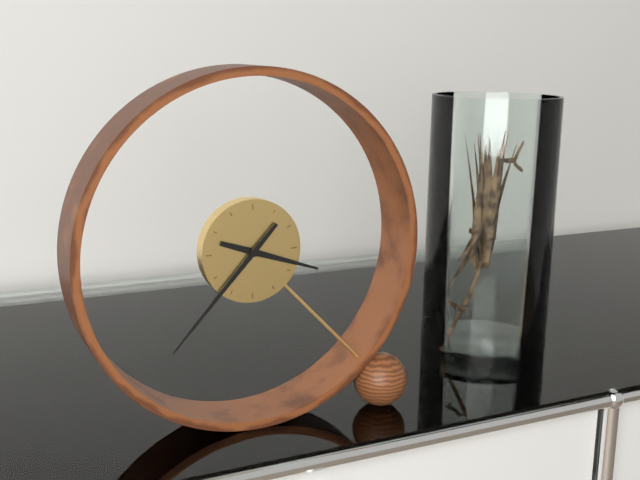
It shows {"hour": 3, "minute": 37}
